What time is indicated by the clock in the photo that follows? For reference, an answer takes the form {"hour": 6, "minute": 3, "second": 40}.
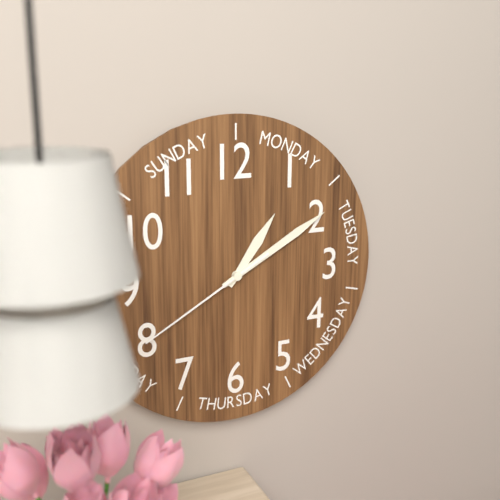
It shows {"hour": 1, "minute": 10, "second": 40}
